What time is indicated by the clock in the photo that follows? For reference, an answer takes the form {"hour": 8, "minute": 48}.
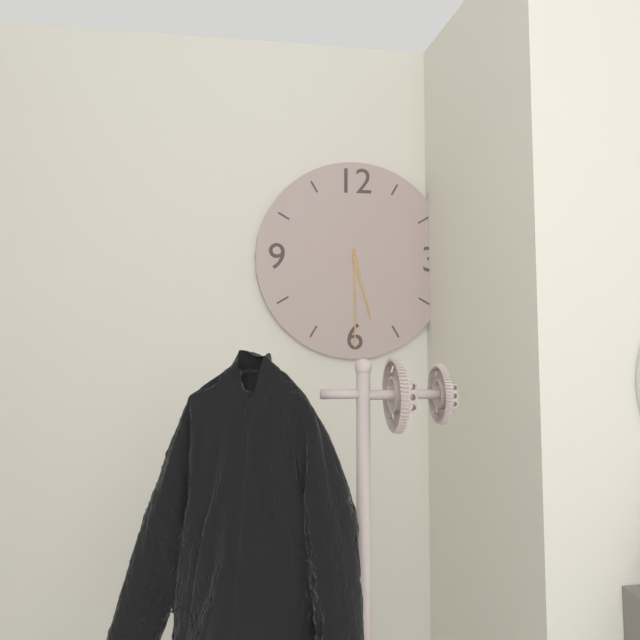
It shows {"hour": 5, "minute": 30}
